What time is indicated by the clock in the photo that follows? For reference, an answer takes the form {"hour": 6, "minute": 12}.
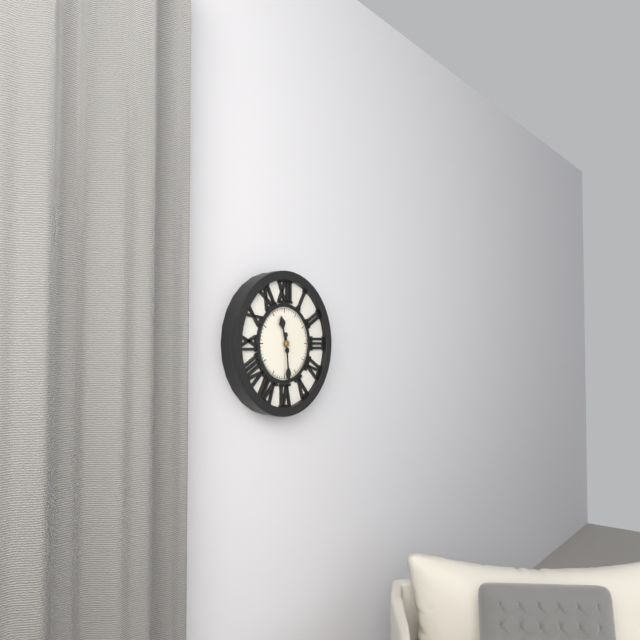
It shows {"hour": 11, "minute": 29}
